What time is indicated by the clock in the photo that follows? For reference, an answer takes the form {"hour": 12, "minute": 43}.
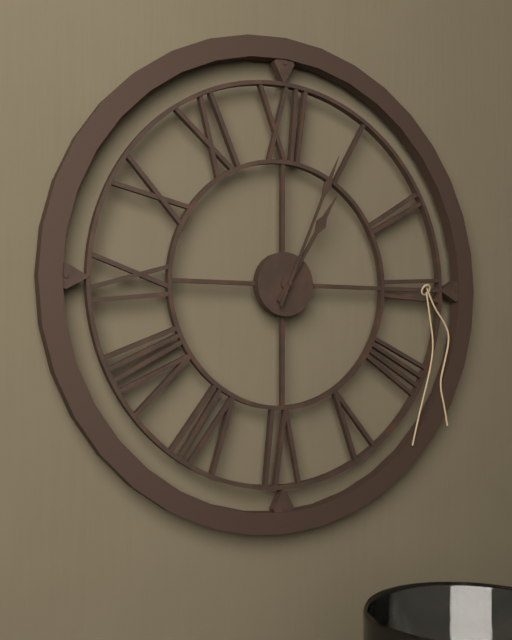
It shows {"hour": 1, "minute": 4}
